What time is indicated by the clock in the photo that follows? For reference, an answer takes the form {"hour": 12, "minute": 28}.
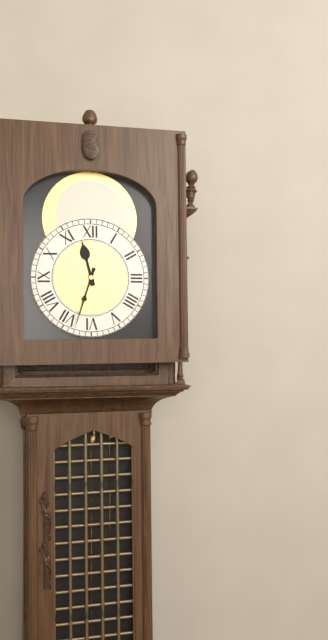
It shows {"hour": 11, "minute": 33}
